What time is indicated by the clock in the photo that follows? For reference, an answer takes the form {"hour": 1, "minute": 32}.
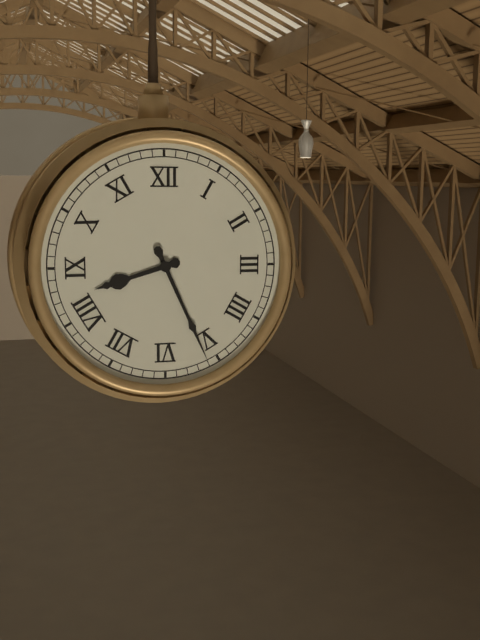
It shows {"hour": 8, "minute": 26}
